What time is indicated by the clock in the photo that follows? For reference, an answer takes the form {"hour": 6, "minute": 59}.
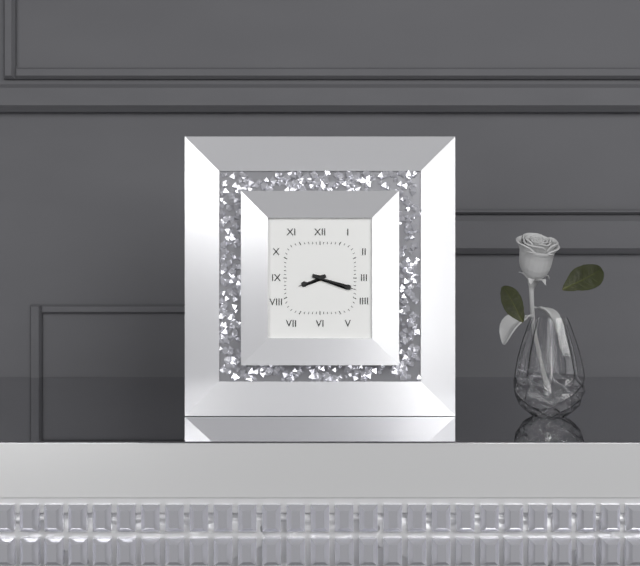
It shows {"hour": 8, "minute": 18}
